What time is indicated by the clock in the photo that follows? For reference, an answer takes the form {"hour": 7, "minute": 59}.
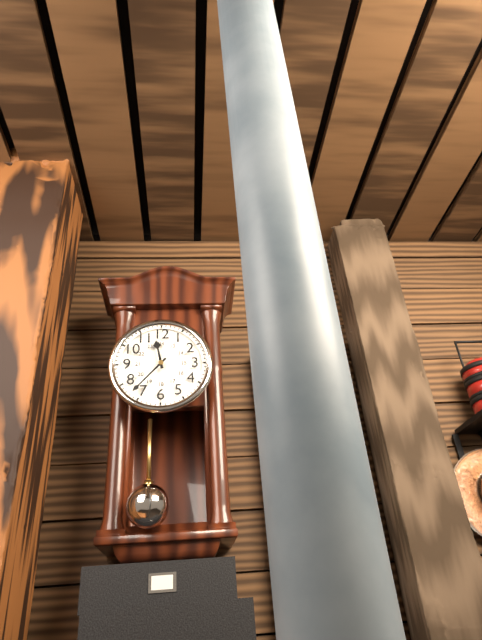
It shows {"hour": 11, "minute": 37}
